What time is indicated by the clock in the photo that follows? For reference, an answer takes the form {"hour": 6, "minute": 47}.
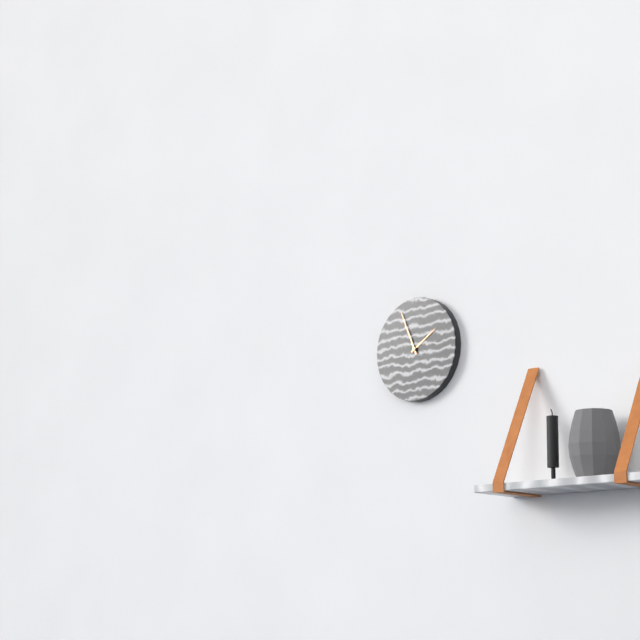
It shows {"hour": 1, "minute": 56}
